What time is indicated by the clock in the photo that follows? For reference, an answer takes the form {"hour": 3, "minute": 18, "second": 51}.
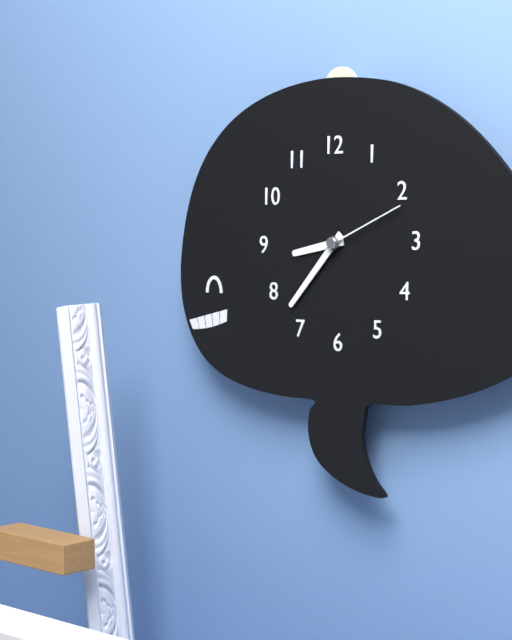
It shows {"hour": 8, "minute": 37, "second": 11}
